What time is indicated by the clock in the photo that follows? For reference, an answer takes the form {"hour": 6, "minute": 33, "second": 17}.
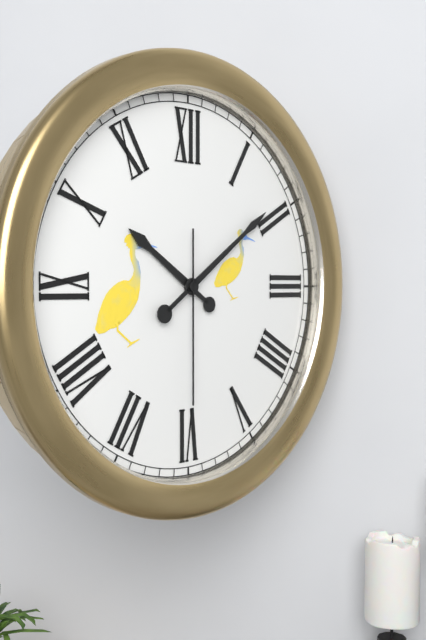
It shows {"hour": 10, "minute": 9, "second": 30}
